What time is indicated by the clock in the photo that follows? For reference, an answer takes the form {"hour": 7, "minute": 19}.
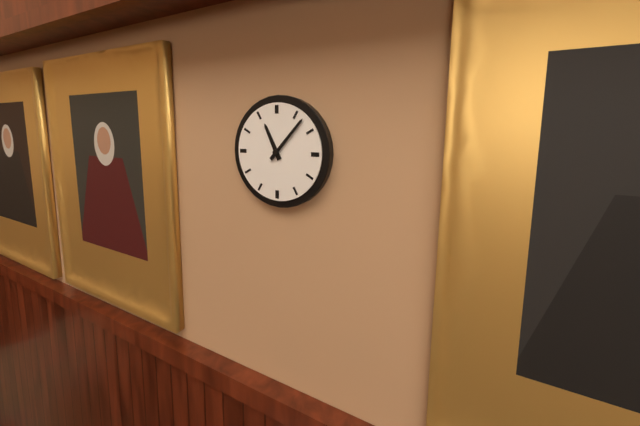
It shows {"hour": 11, "minute": 7}
